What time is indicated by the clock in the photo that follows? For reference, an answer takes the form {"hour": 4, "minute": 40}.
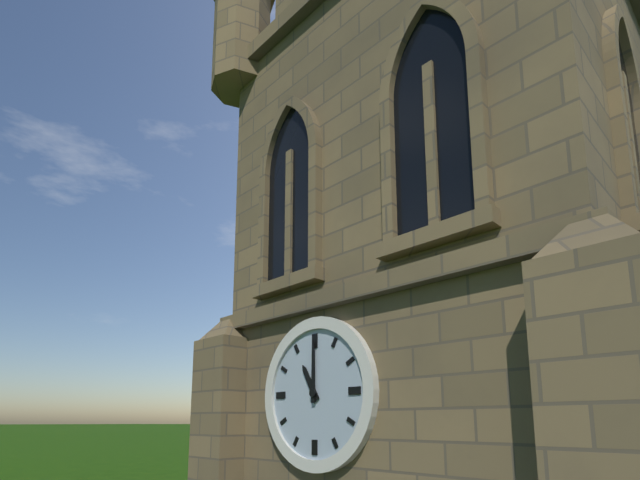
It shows {"hour": 11, "minute": 0}
